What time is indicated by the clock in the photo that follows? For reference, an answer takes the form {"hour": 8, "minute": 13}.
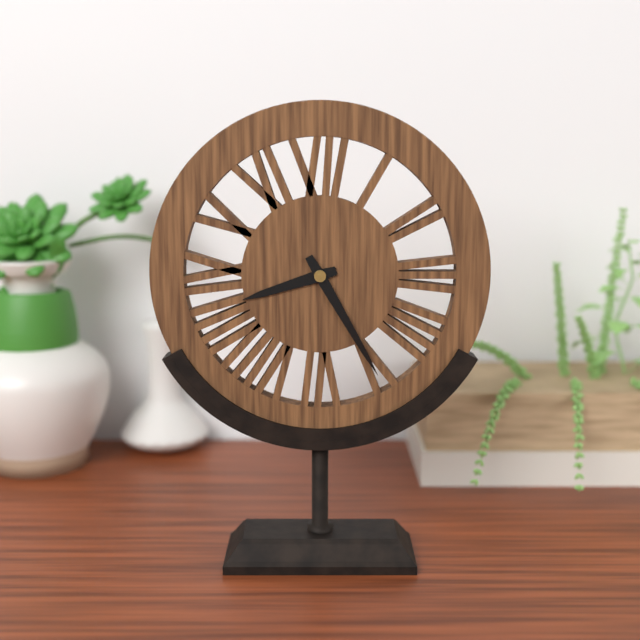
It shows {"hour": 8, "minute": 25}
